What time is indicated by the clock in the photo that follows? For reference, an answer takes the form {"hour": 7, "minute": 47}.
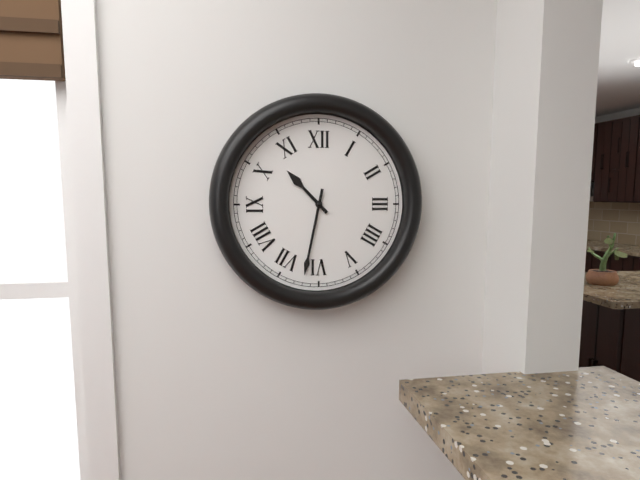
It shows {"hour": 10, "minute": 32}
